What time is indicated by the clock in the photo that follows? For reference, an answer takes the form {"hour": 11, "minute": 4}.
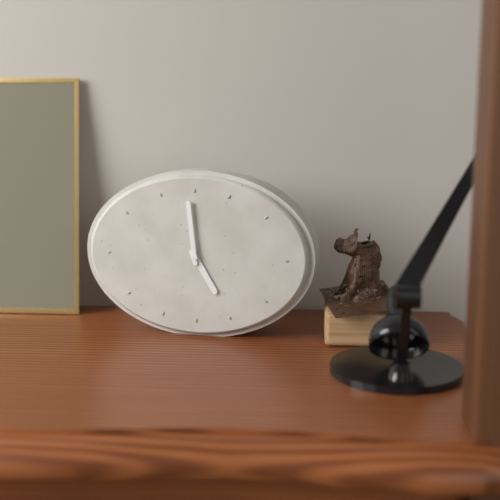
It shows {"hour": 4, "minute": 59}
